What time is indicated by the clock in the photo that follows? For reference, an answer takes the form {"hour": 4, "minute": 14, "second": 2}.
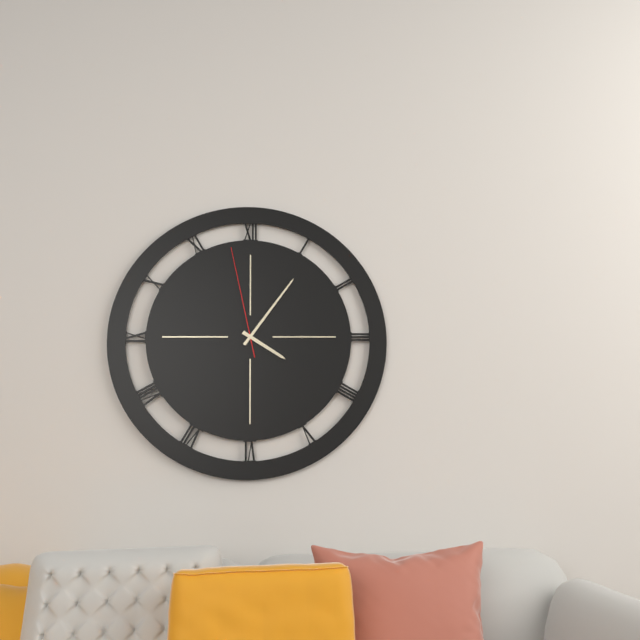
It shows {"hour": 4, "minute": 6, "second": 58}
